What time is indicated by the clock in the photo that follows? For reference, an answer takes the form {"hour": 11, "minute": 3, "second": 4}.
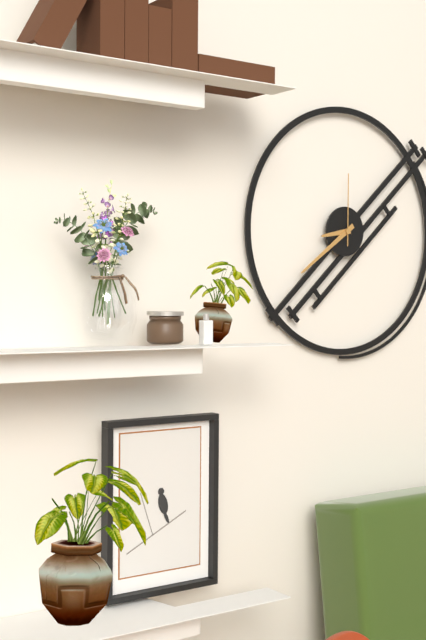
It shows {"hour": 8, "minute": 39, "second": 0}
